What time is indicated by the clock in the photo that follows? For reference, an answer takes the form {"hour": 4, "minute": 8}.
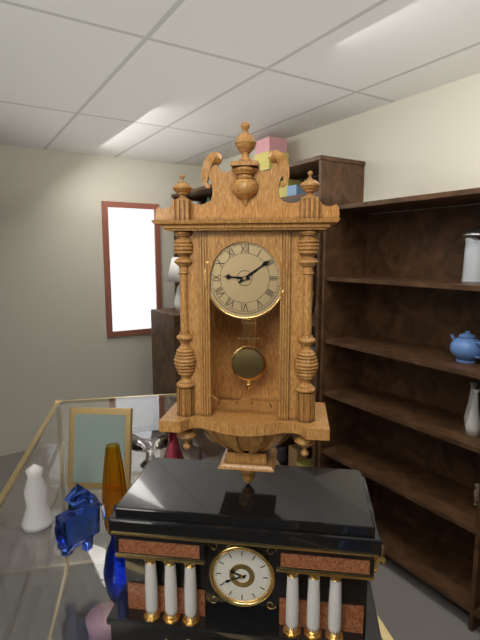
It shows {"hour": 9, "minute": 9}
